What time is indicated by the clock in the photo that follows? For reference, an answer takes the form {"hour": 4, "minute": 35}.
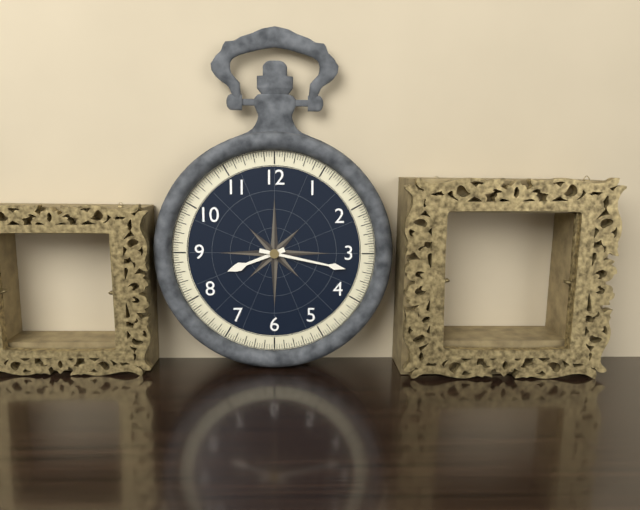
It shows {"hour": 8, "minute": 17}
